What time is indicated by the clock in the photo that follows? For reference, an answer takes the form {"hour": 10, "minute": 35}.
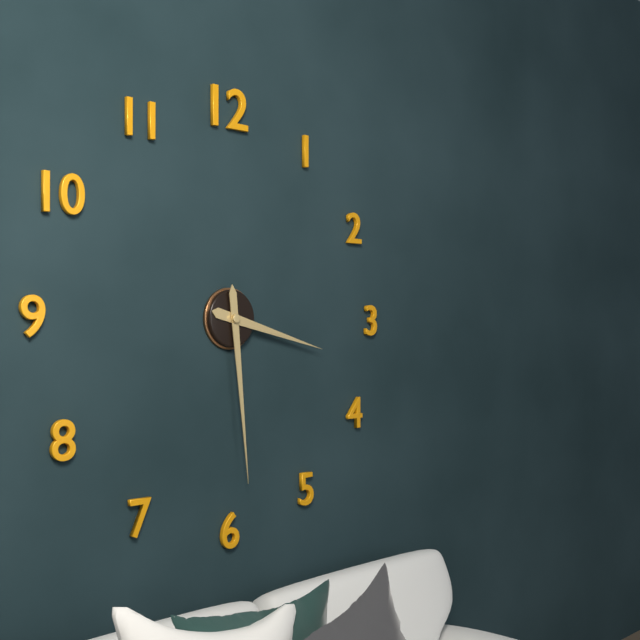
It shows {"hour": 3, "minute": 29}
